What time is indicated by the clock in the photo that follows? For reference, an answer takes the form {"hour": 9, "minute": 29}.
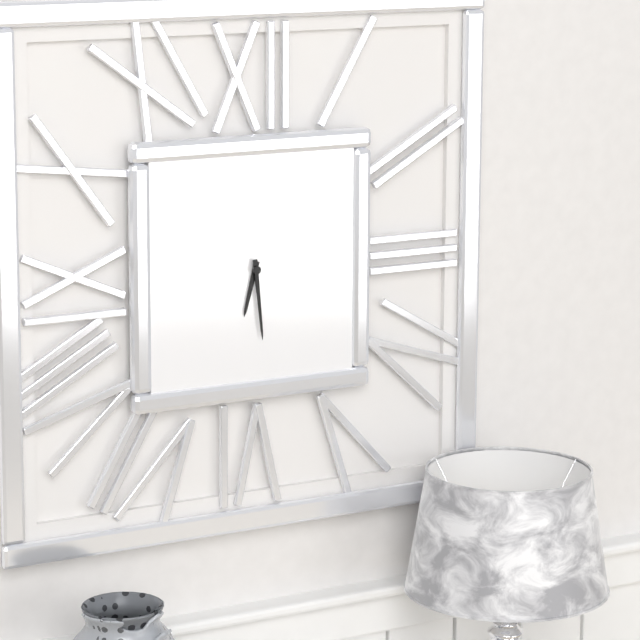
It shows {"hour": 6, "minute": 29}
